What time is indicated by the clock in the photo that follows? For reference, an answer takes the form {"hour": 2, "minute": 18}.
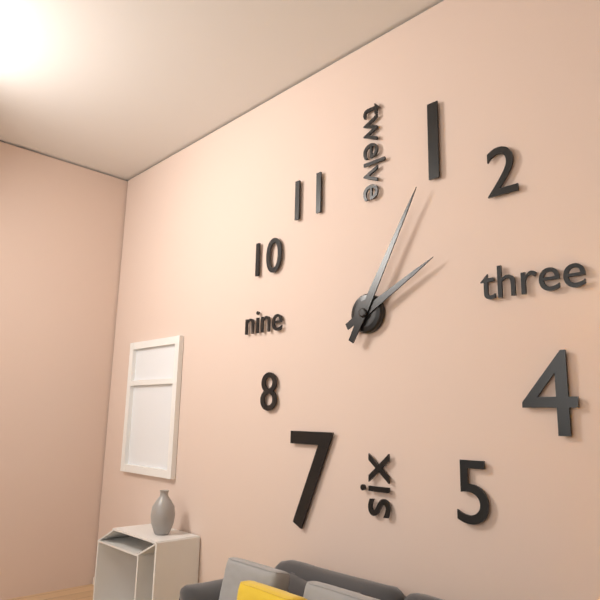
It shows {"hour": 2, "minute": 5}
